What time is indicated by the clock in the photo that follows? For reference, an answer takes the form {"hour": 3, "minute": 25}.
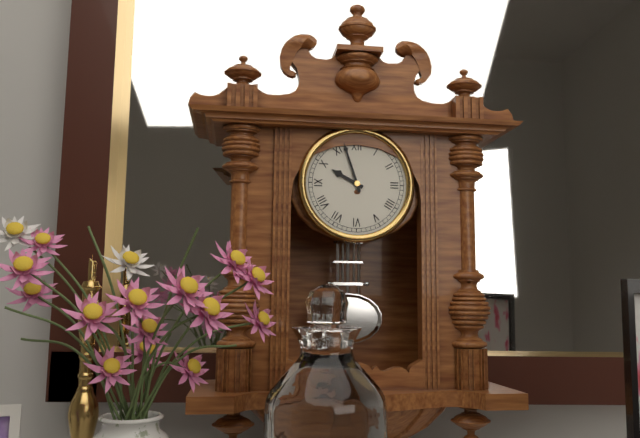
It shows {"hour": 9, "minute": 57}
